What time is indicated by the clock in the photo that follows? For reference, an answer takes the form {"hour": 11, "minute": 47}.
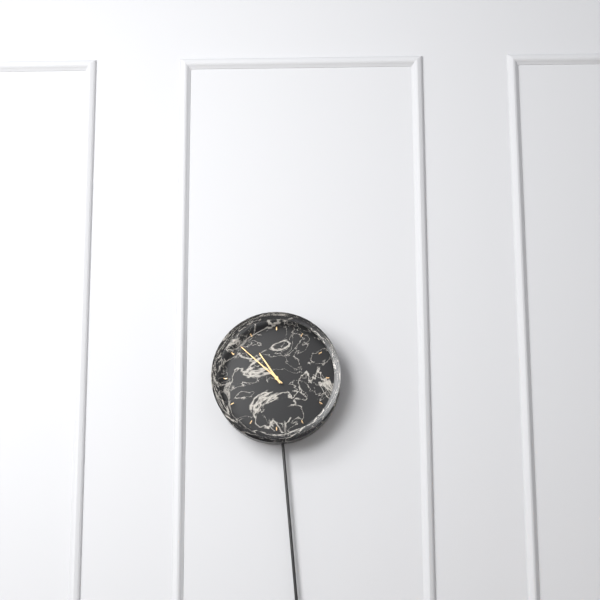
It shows {"hour": 10, "minute": 52}
